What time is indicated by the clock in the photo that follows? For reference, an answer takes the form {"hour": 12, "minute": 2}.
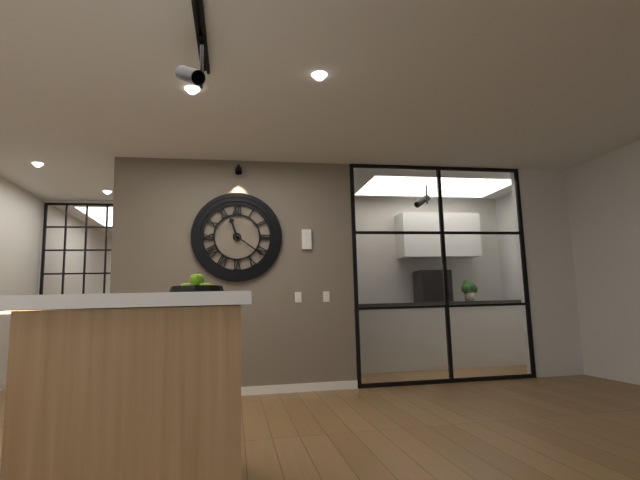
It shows {"hour": 11, "minute": 21}
